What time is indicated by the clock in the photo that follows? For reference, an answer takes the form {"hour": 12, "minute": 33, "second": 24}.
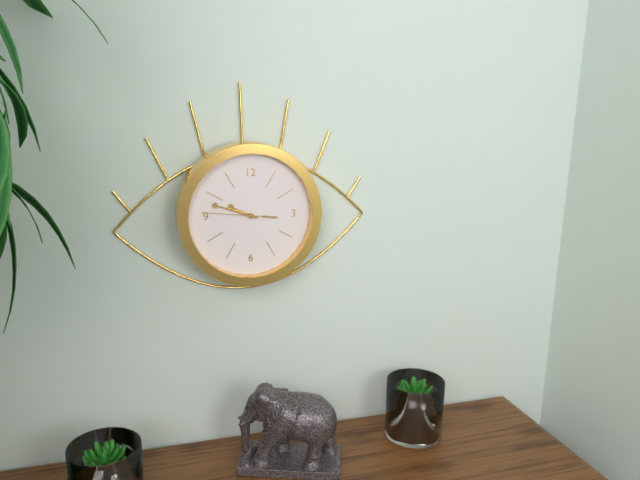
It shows {"hour": 9, "minute": 48, "second": 46}
